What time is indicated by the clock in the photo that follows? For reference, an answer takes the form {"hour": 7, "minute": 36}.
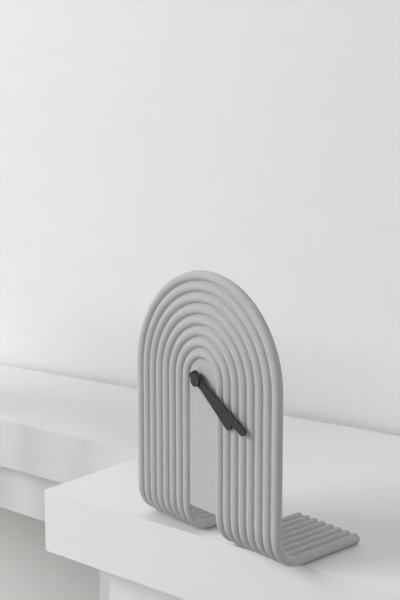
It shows {"hour": 4, "minute": 20}
